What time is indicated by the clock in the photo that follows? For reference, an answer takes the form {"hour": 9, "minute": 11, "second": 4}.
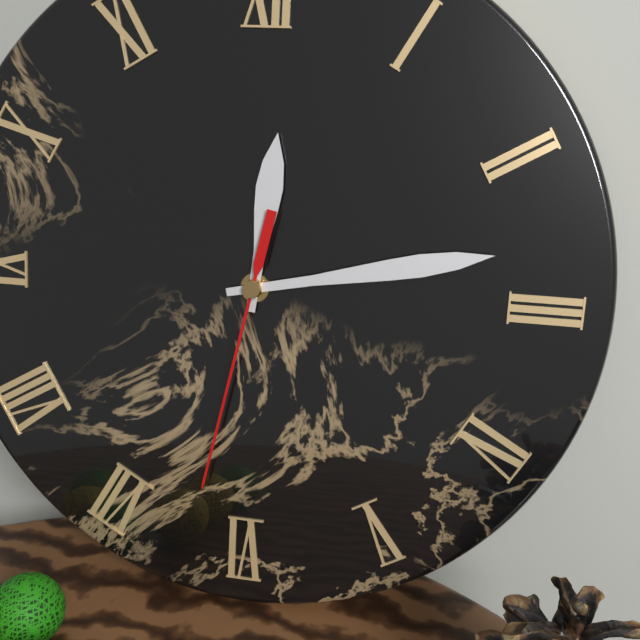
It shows {"hour": 12, "minute": 13, "second": 32}
